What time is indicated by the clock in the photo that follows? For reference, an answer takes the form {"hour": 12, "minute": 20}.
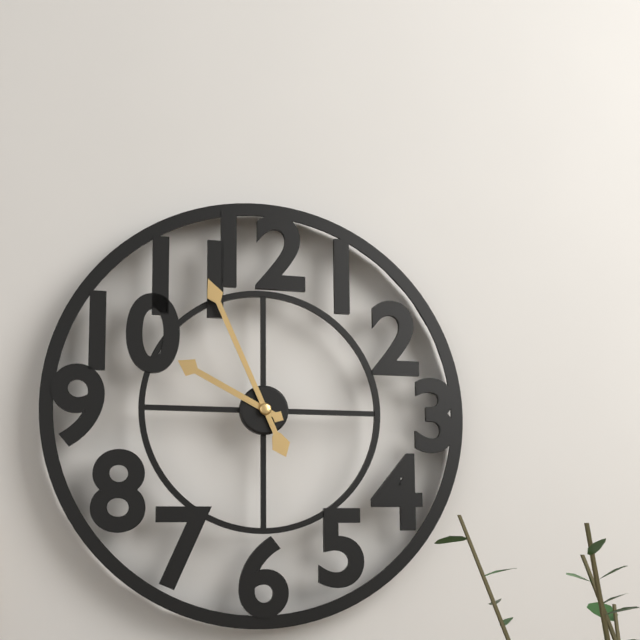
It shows {"hour": 9, "minute": 56}
